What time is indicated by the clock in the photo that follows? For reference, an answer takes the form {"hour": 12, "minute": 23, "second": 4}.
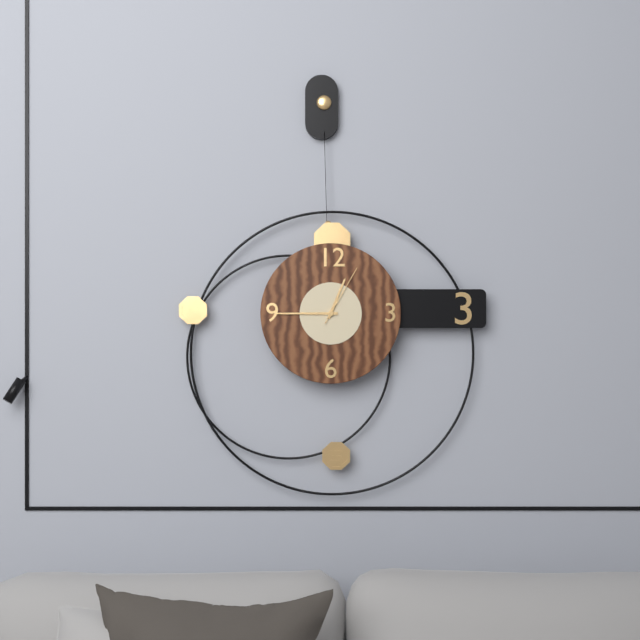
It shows {"hour": 12, "minute": 45, "second": 5}
